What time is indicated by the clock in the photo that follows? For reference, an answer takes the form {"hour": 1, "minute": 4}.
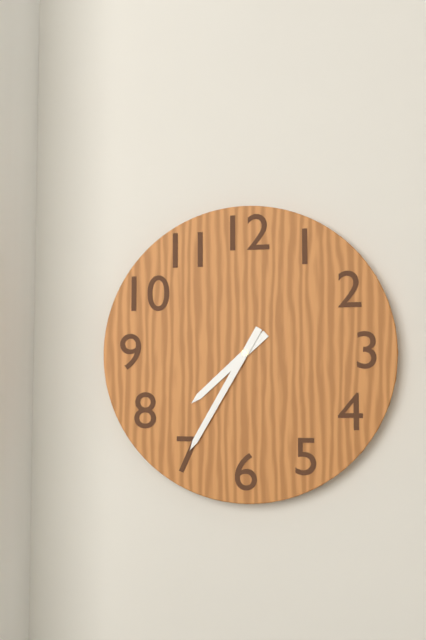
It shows {"hour": 7, "minute": 35}
